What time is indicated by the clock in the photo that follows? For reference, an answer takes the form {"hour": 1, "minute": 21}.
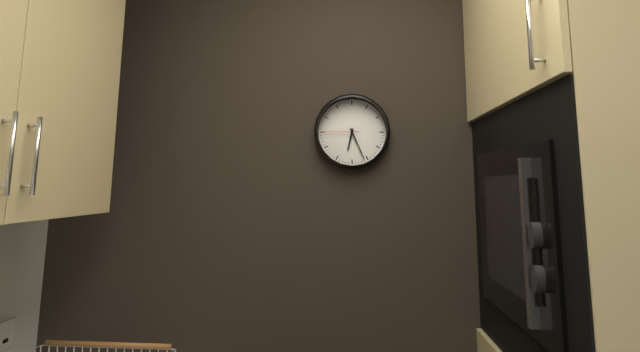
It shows {"hour": 6, "minute": 26}
